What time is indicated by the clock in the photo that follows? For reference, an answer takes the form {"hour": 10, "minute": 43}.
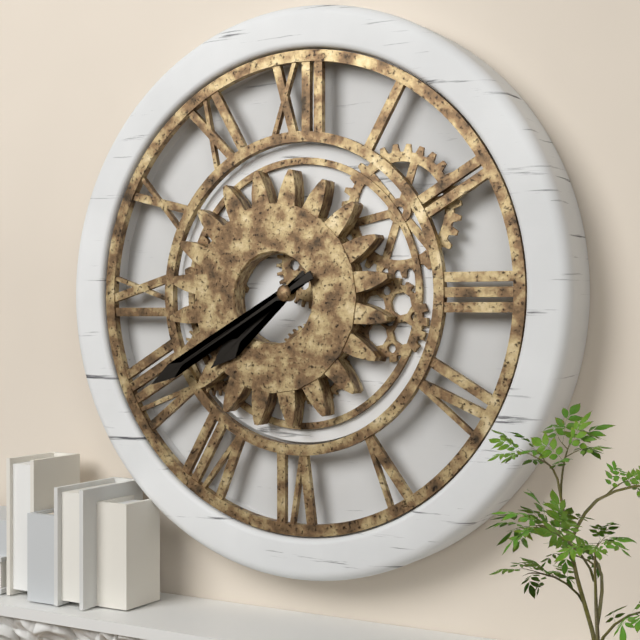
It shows {"hour": 7, "minute": 40}
